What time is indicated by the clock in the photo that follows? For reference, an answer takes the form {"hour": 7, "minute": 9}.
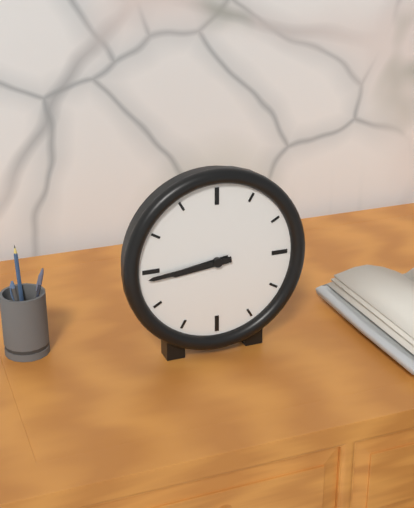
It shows {"hour": 8, "minute": 44}
